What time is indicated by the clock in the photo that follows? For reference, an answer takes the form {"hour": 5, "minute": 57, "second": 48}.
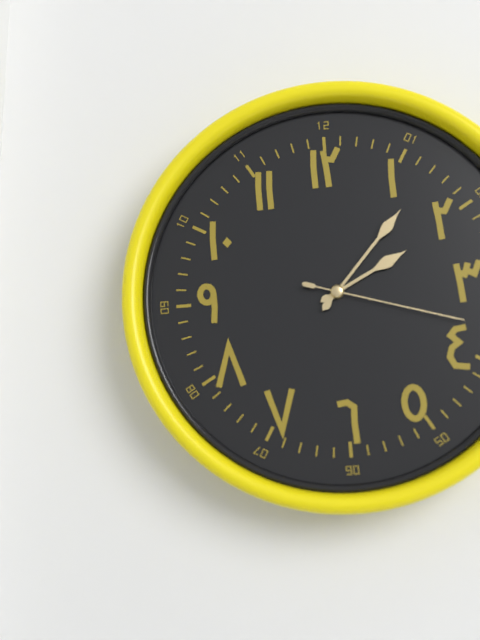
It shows {"hour": 2, "minute": 7, "second": 18}
